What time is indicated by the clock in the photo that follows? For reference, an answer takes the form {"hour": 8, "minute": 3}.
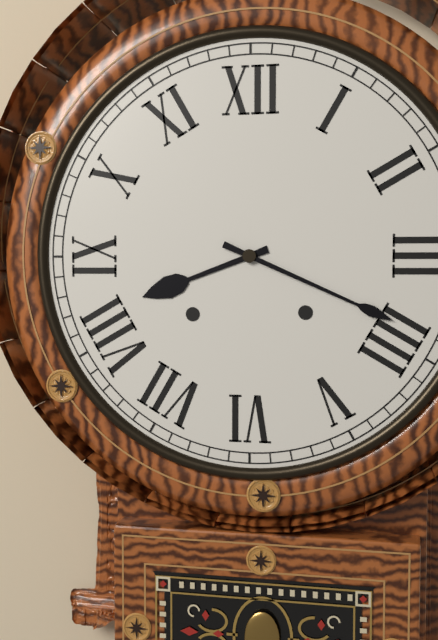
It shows {"hour": 8, "minute": 19}
